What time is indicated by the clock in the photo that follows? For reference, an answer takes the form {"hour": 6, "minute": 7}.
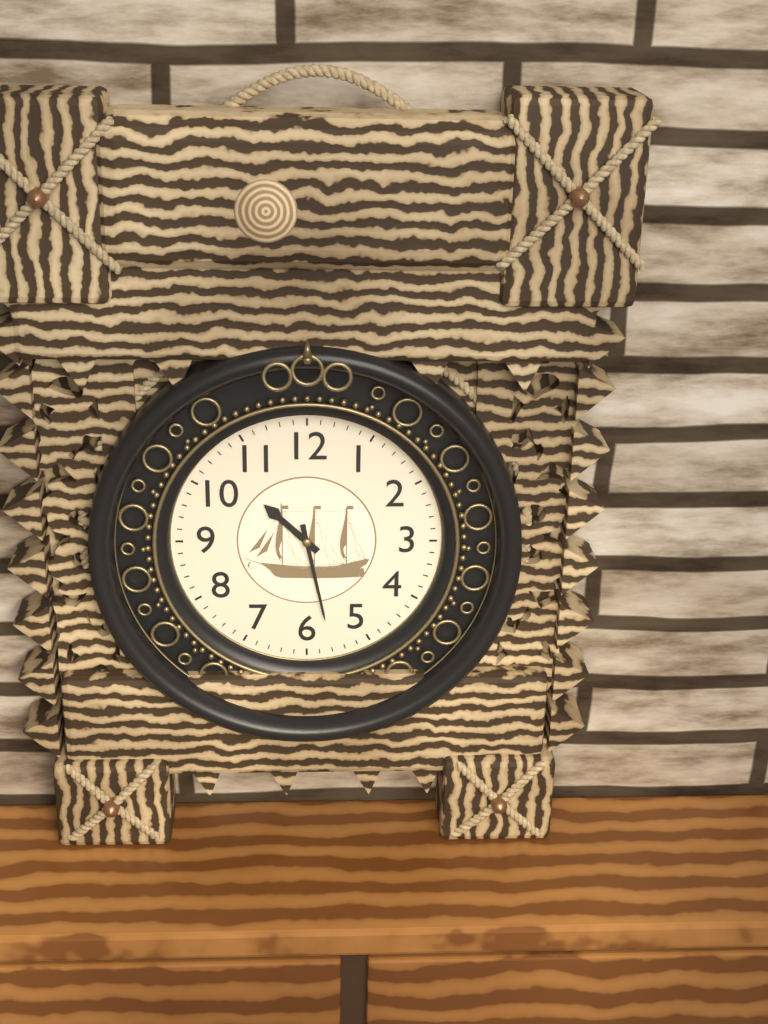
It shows {"hour": 10, "minute": 28}
